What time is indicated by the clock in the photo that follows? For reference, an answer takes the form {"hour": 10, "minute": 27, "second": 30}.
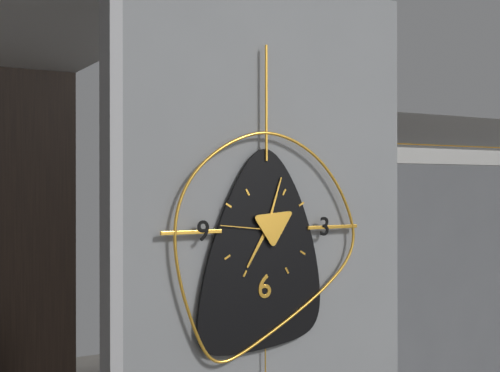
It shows {"hour": 7, "minute": 3, "second": 46}
